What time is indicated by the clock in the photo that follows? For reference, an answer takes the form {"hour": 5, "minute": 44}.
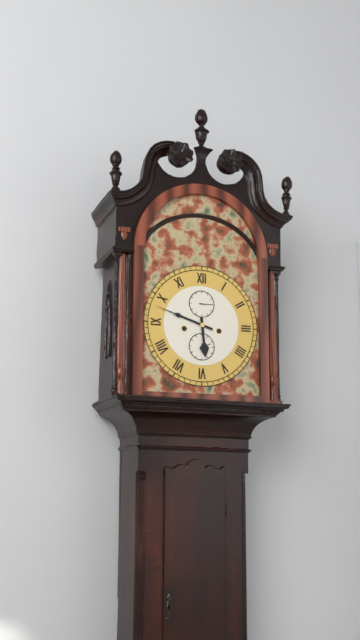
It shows {"hour": 5, "minute": 48}
